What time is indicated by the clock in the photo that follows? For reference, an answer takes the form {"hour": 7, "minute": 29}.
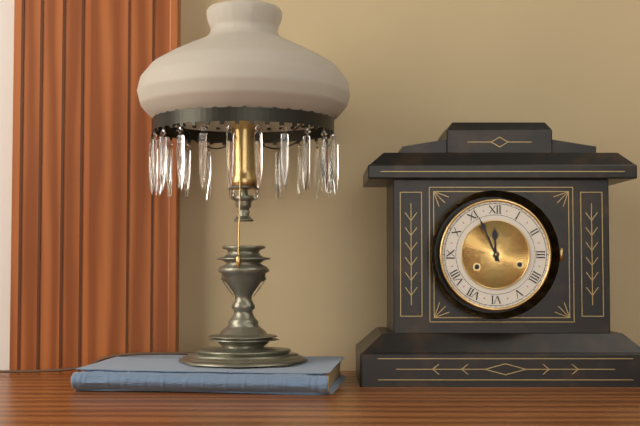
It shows {"hour": 11, "minute": 56}
